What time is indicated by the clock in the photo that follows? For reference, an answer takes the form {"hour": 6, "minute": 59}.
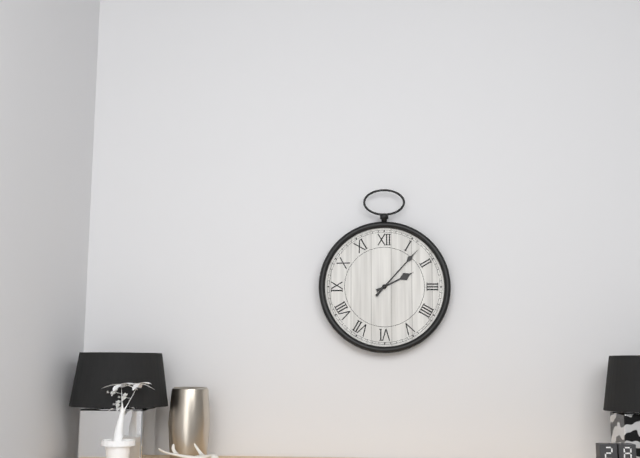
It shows {"hour": 2, "minute": 7}
